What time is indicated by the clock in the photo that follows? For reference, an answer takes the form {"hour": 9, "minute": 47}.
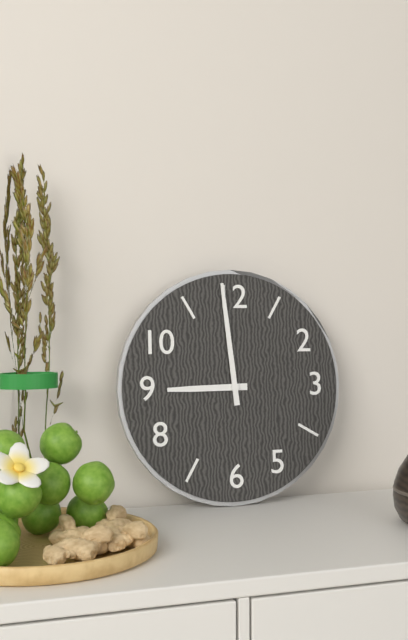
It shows {"hour": 8, "minute": 59}
